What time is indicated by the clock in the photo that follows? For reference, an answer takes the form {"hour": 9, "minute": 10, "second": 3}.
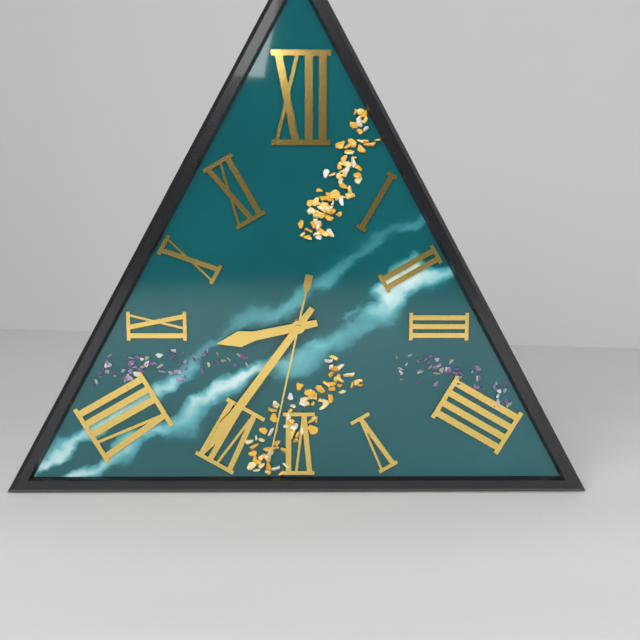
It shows {"hour": 8, "minute": 36, "second": 32}
